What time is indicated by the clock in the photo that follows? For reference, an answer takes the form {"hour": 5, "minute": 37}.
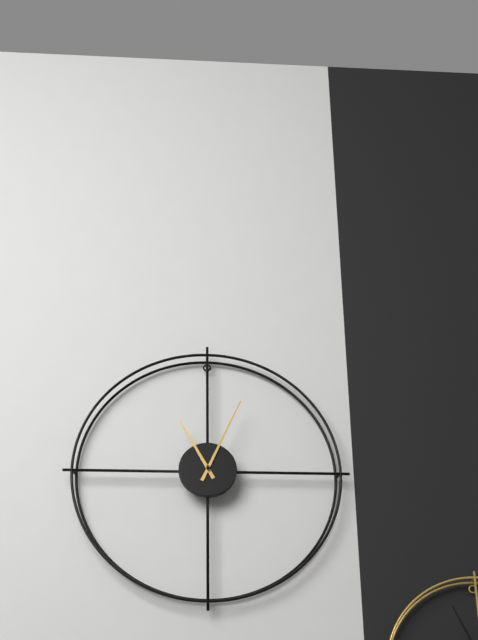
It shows {"hour": 11, "minute": 4}
